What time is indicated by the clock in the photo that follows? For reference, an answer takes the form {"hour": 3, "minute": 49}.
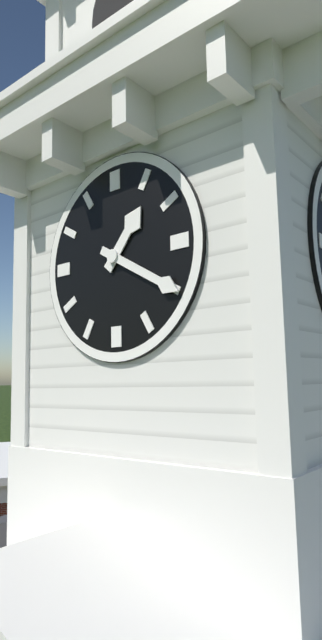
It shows {"hour": 1, "minute": 20}
